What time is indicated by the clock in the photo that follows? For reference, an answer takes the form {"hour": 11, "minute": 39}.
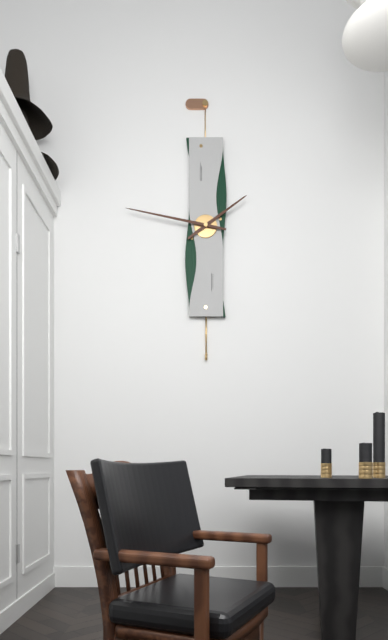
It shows {"hour": 1, "minute": 47}
